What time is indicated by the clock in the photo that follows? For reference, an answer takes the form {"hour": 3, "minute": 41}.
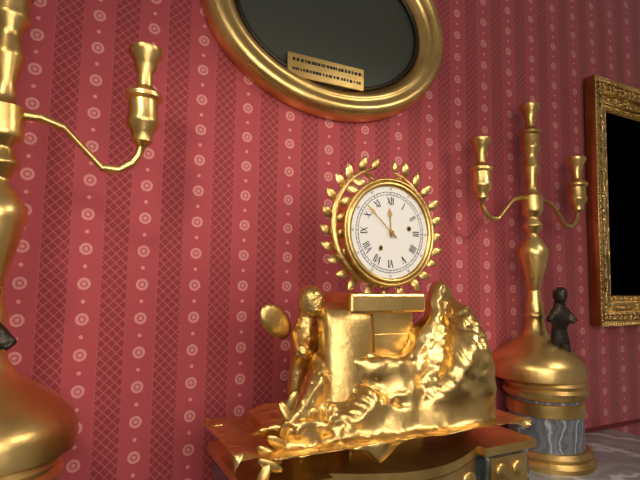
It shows {"hour": 11, "minute": 52}
